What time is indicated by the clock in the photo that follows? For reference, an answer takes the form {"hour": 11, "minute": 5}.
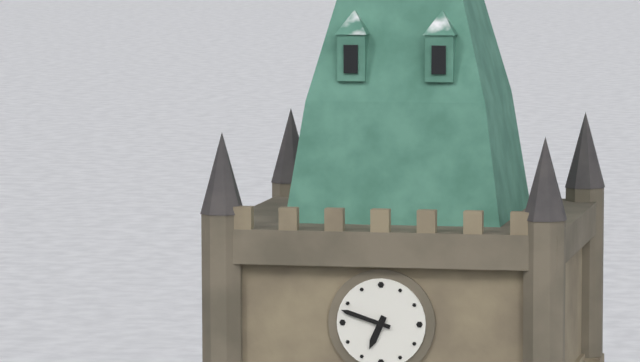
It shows {"hour": 6, "minute": 48}
